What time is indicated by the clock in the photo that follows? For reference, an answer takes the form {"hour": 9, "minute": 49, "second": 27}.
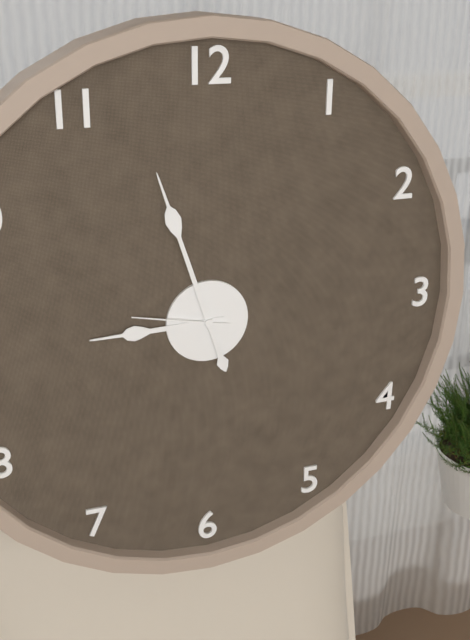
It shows {"hour": 8, "minute": 57, "second": 47}
